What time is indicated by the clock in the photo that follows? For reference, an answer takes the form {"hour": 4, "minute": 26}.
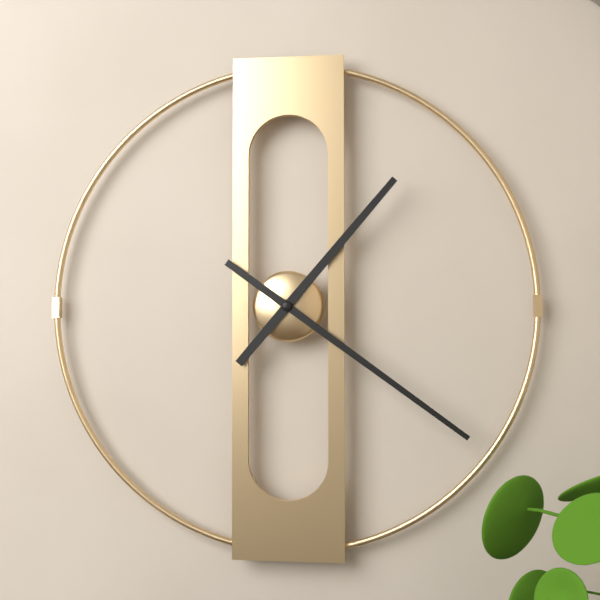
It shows {"hour": 1, "minute": 21}
